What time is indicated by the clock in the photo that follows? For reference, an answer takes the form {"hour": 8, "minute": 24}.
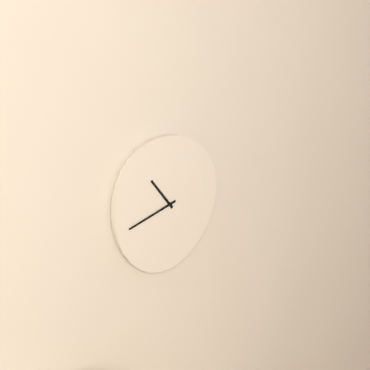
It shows {"hour": 10, "minute": 42}
